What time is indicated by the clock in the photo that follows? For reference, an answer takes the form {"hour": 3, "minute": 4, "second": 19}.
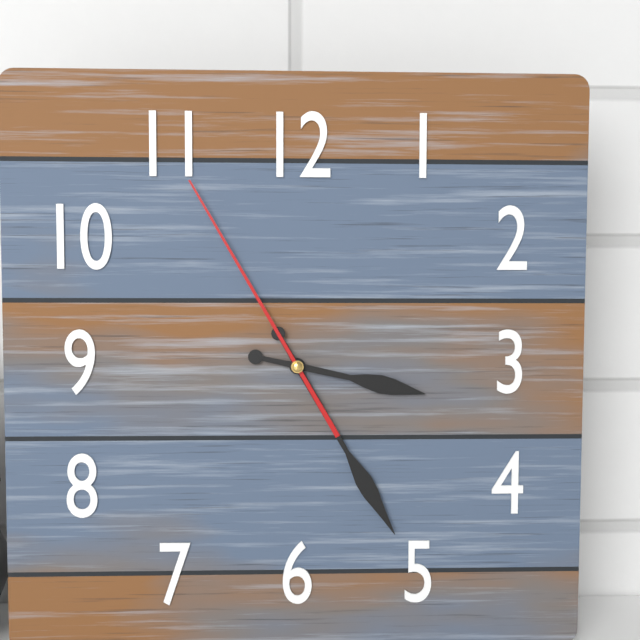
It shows {"hour": 3, "minute": 25, "second": 55}
